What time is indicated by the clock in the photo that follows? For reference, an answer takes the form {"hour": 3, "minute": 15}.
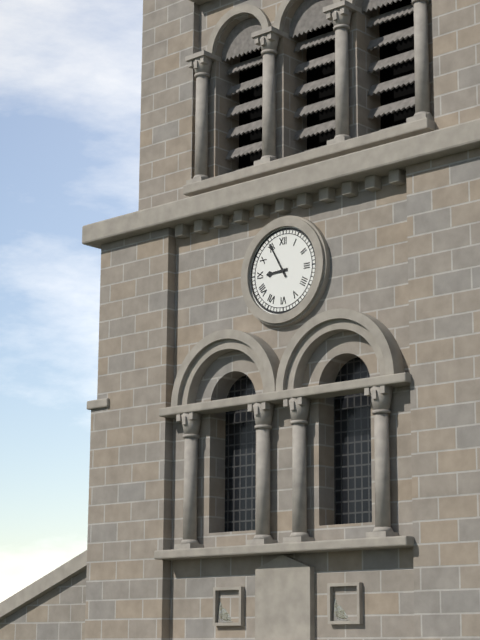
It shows {"hour": 8, "minute": 55}
